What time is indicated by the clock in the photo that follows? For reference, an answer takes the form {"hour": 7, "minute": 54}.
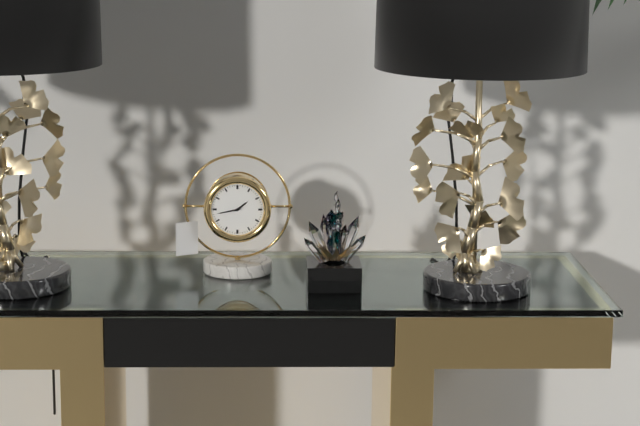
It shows {"hour": 1, "minute": 43}
